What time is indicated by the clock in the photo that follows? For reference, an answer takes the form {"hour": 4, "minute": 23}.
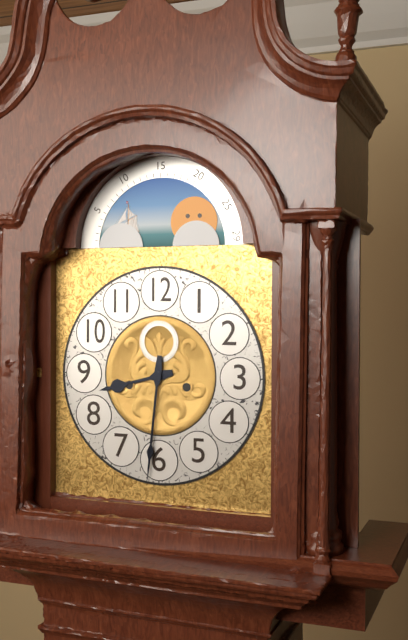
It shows {"hour": 8, "minute": 31}
